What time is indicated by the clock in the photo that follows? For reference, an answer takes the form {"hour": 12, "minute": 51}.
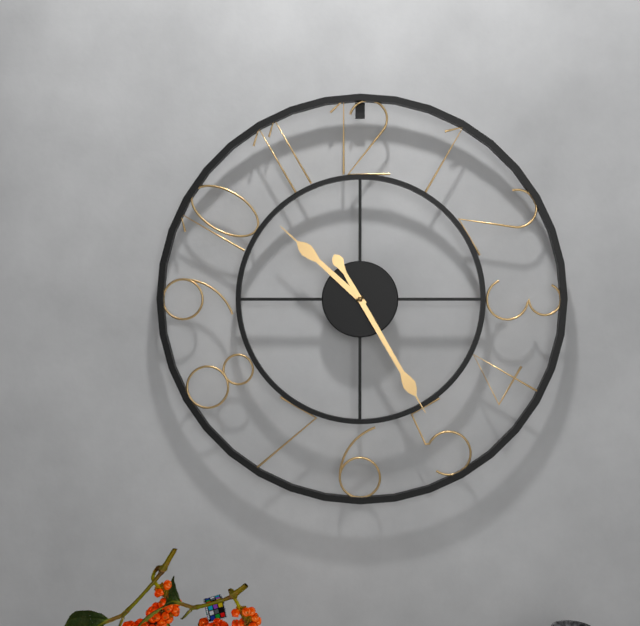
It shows {"hour": 10, "minute": 25}
